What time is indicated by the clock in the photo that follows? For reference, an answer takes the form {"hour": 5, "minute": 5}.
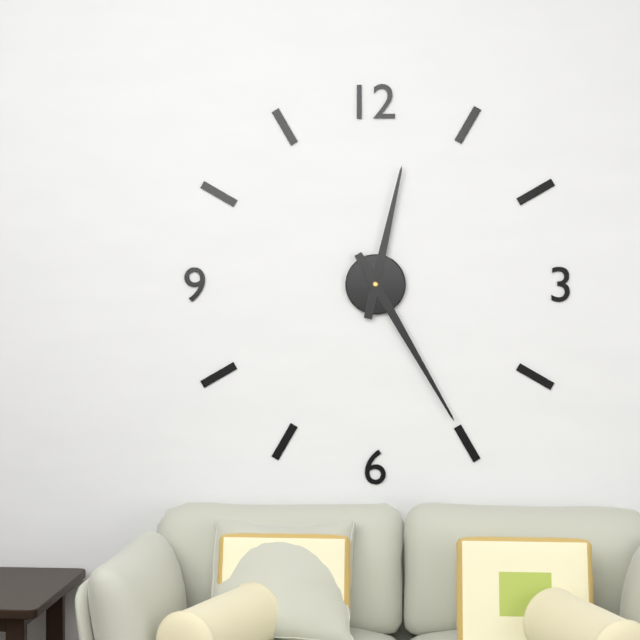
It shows {"hour": 12, "minute": 25}
